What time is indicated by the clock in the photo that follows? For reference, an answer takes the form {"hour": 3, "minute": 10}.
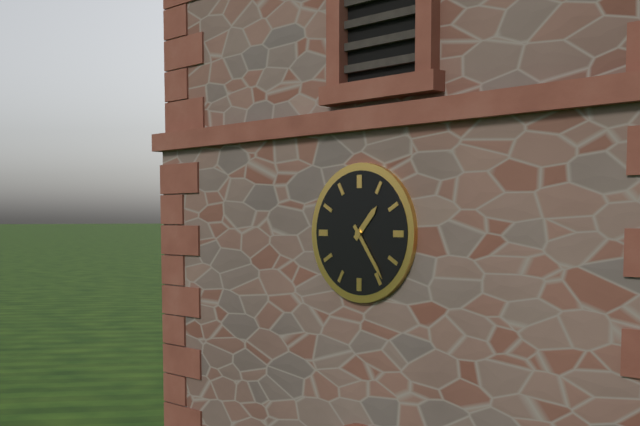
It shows {"hour": 1, "minute": 24}
